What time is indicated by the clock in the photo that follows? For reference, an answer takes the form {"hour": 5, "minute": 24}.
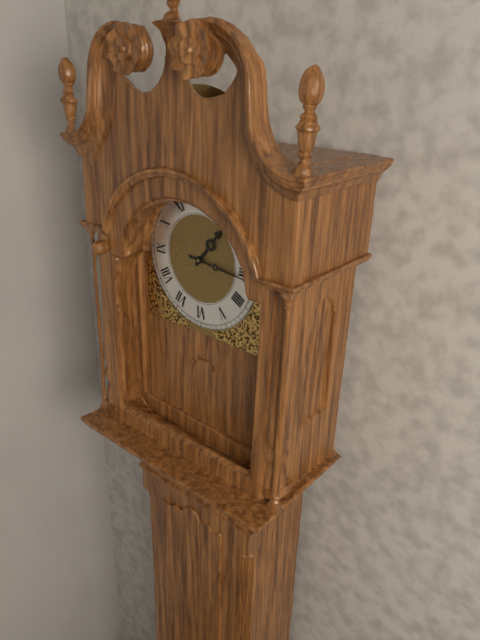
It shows {"hour": 1, "minute": 16}
